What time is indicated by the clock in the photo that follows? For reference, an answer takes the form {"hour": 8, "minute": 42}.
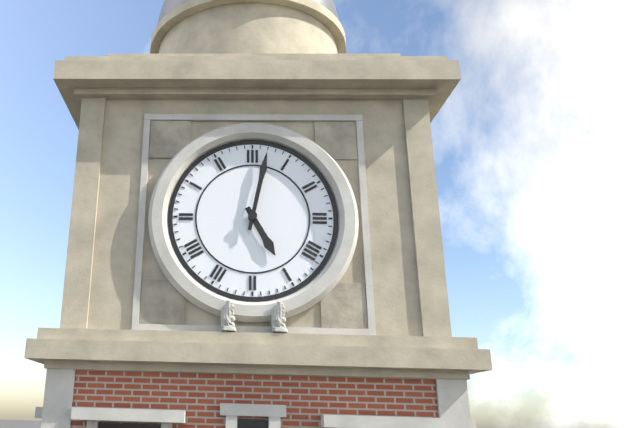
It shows {"hour": 5, "minute": 2}
